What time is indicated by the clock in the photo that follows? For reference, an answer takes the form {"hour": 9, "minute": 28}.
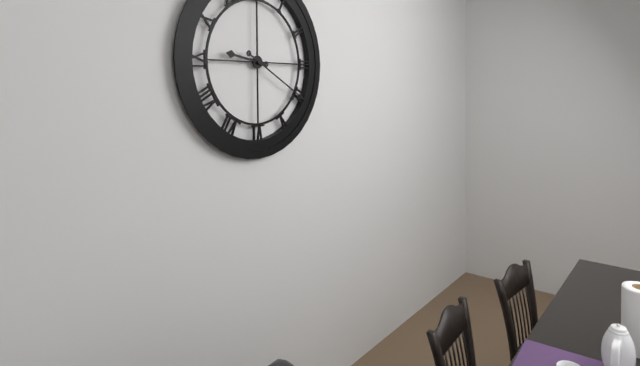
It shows {"hour": 9, "minute": 20}
